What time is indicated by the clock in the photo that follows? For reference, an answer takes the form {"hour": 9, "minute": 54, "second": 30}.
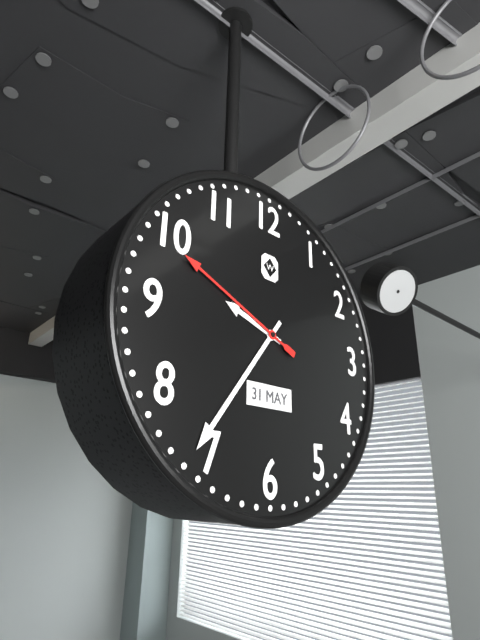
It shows {"hour": 9, "minute": 36, "second": 49}
